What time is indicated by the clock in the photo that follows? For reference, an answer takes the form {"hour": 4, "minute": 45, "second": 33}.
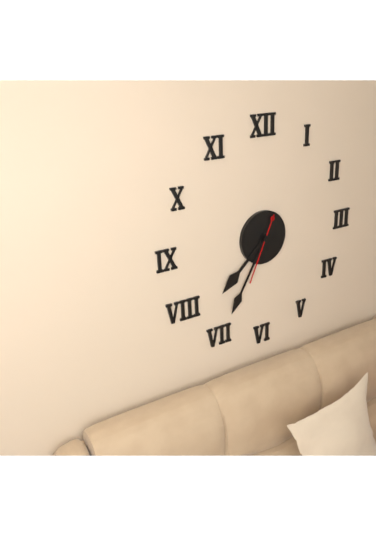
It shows {"hour": 7, "minute": 35, "second": 34}
